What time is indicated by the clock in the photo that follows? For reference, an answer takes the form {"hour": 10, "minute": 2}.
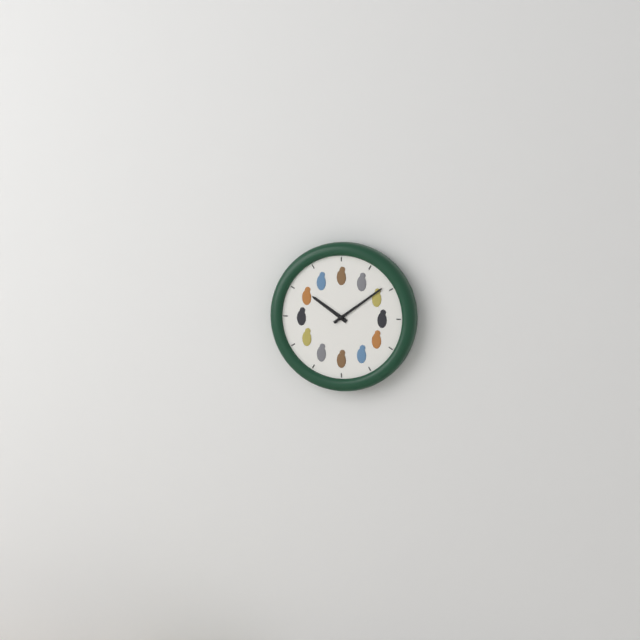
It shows {"hour": 10, "minute": 9}
